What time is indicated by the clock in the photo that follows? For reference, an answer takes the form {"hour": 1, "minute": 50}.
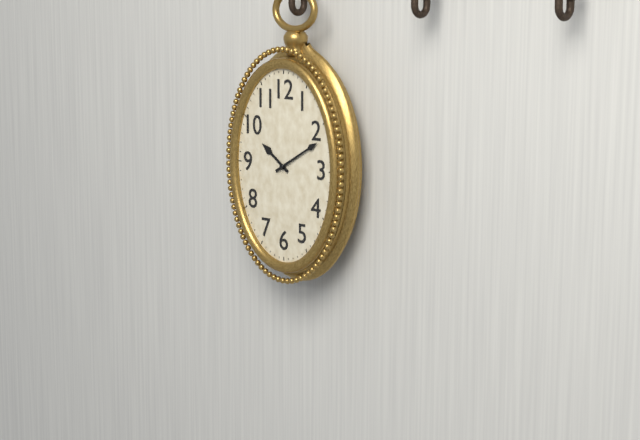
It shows {"hour": 10, "minute": 10}
